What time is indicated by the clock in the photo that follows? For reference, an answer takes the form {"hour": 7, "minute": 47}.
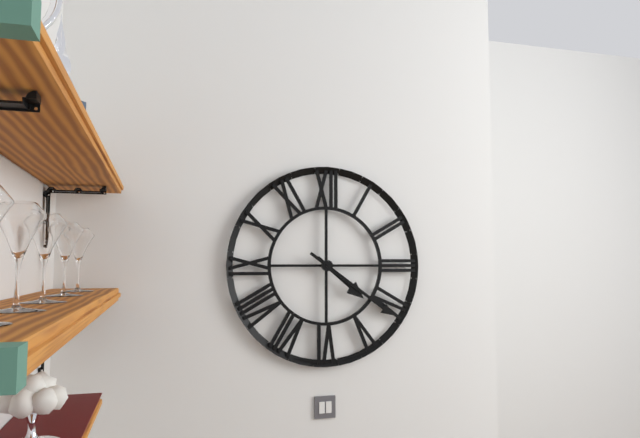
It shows {"hour": 4, "minute": 21}
